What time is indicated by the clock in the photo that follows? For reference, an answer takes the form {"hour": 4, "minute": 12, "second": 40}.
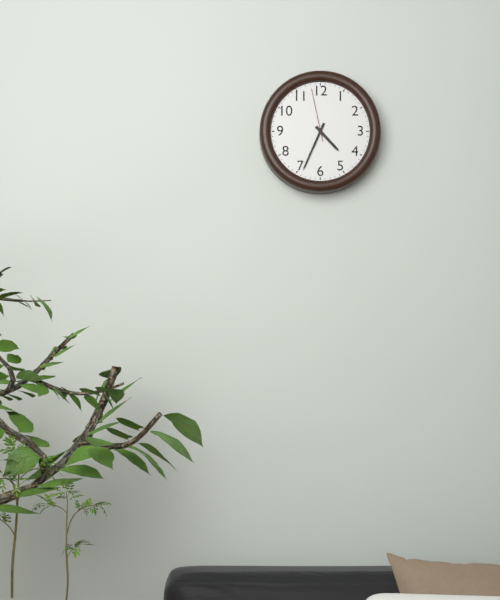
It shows {"hour": 4, "minute": 34, "second": 58}
